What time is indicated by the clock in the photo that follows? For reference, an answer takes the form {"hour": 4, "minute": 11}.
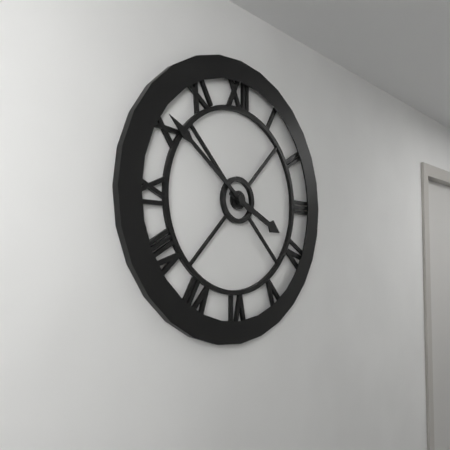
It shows {"hour": 3, "minute": 51}
